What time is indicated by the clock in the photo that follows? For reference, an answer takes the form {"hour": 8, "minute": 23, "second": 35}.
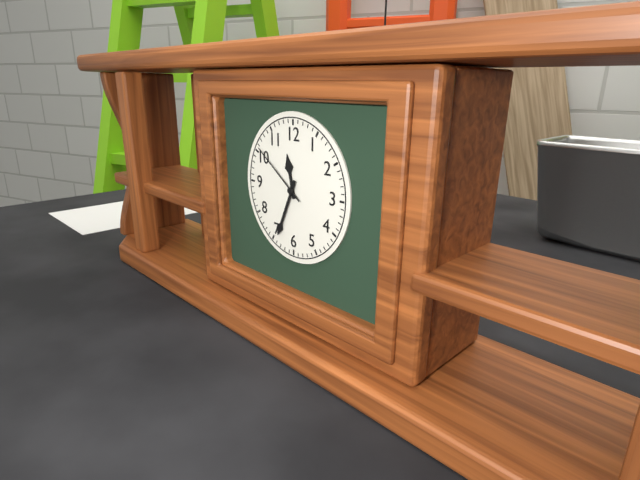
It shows {"hour": 11, "minute": 34, "second": 51}
